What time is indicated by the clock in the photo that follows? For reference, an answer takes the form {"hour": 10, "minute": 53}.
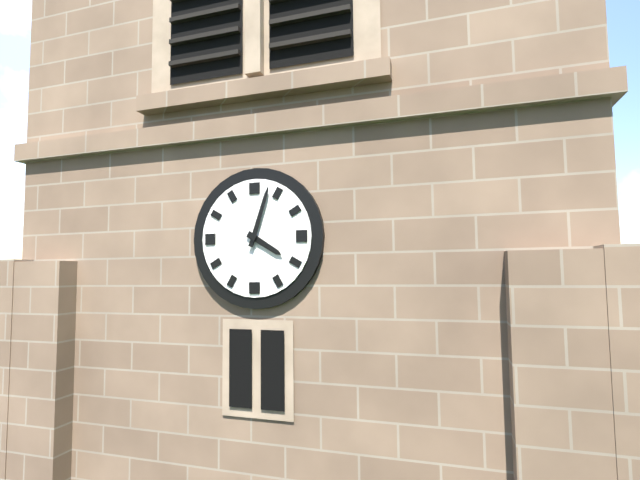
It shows {"hour": 4, "minute": 3}
